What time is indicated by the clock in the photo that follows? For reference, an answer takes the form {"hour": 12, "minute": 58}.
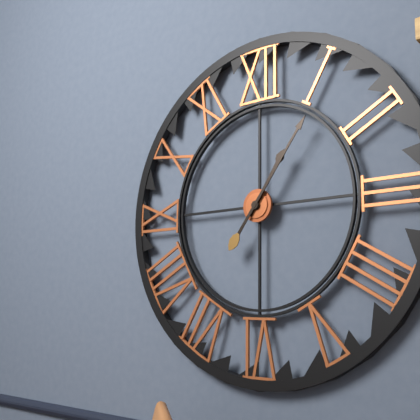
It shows {"hour": 1, "minute": 6}
